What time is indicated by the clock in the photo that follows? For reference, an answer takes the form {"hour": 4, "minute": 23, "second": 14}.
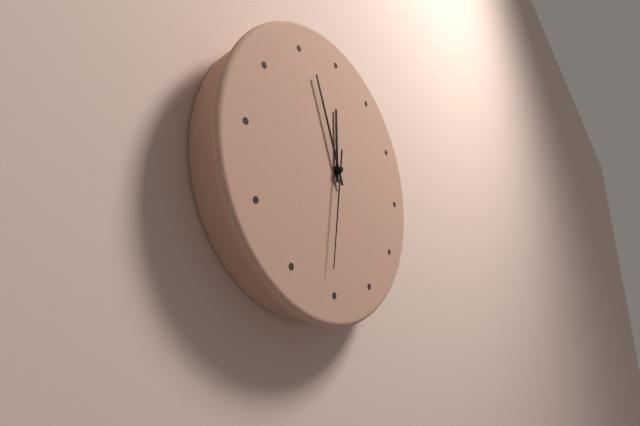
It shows {"hour": 11, "minute": 56, "second": 31}
